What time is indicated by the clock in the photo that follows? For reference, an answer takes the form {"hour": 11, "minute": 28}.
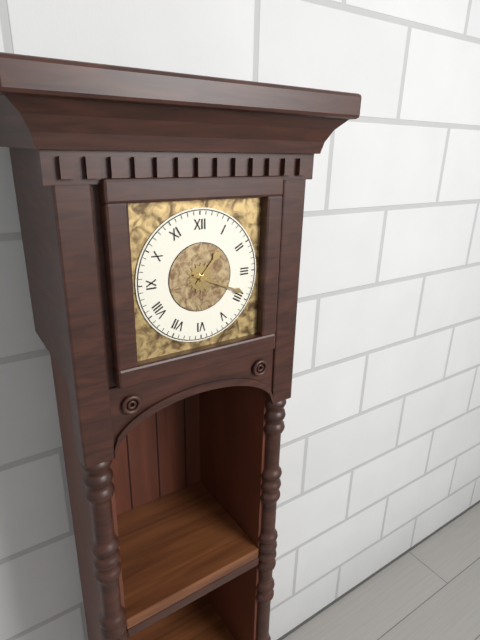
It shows {"hour": 1, "minute": 19}
